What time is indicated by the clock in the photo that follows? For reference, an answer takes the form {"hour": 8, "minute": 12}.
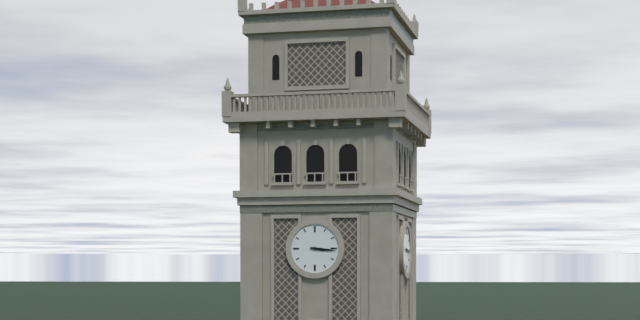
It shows {"hour": 3, "minute": 16}
